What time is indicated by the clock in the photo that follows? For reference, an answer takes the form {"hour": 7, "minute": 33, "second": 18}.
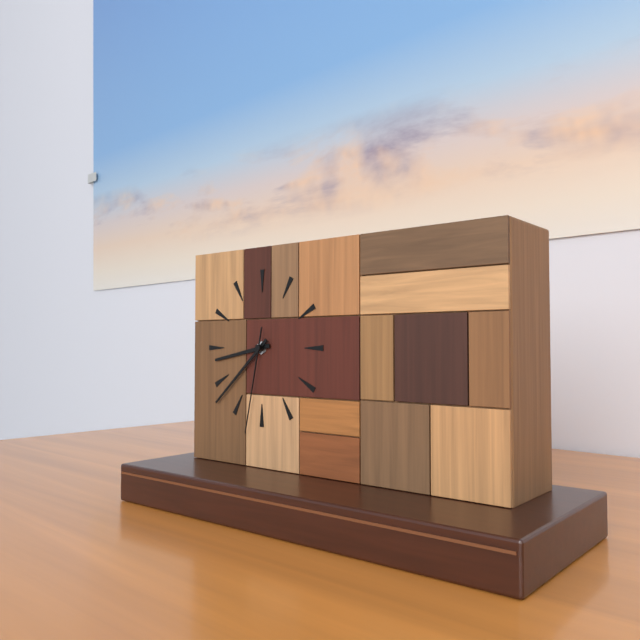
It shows {"hour": 8, "minute": 38, "second": 32}
